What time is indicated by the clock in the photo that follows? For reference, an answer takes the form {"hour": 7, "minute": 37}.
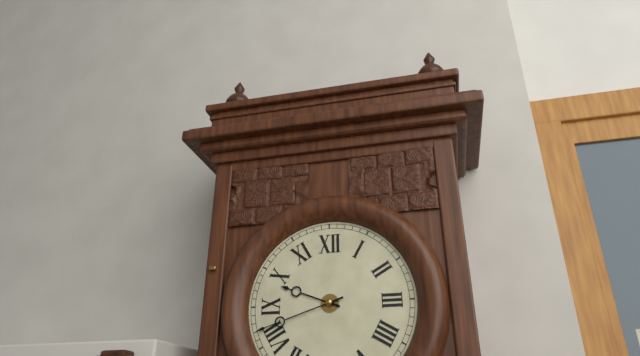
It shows {"hour": 9, "minute": 42}
